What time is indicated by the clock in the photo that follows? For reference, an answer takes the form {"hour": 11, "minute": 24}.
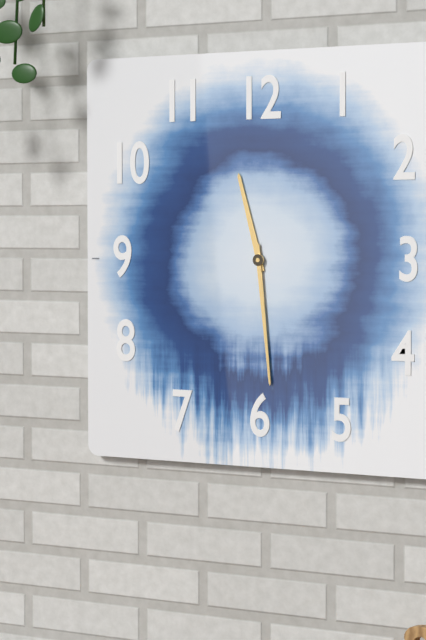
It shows {"hour": 11, "minute": 29}
